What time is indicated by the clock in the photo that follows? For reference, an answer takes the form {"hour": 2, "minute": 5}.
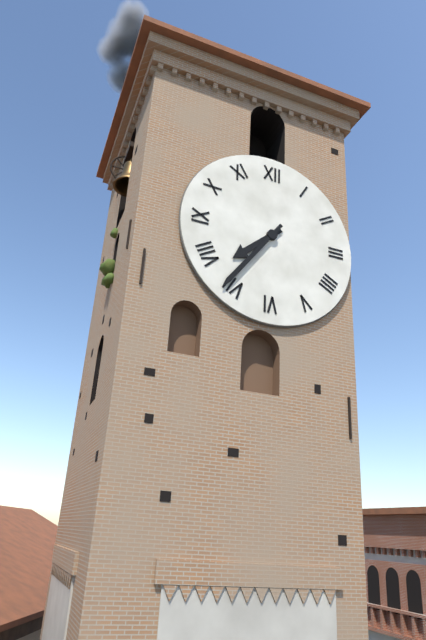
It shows {"hour": 7, "minute": 36}
